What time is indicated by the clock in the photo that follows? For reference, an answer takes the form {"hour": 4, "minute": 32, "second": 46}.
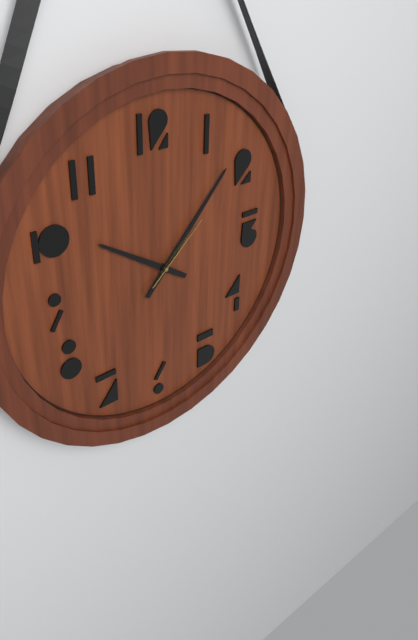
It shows {"hour": 10, "minute": 7, "second": 8}
